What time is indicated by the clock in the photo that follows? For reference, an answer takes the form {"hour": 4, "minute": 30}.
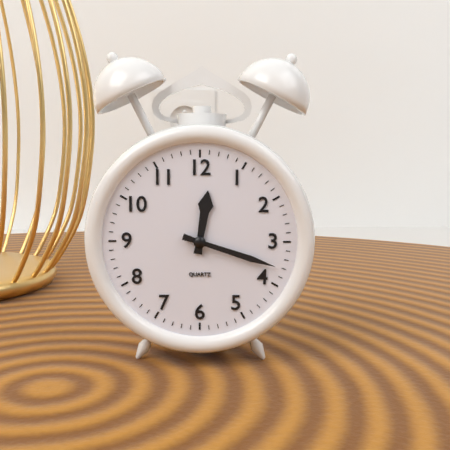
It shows {"hour": 12, "minute": 18}
